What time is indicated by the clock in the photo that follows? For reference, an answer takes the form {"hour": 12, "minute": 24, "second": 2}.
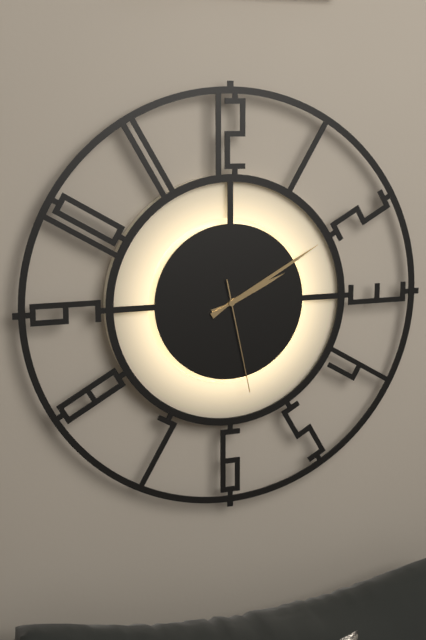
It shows {"hour": 2, "minute": 10, "second": 28}
